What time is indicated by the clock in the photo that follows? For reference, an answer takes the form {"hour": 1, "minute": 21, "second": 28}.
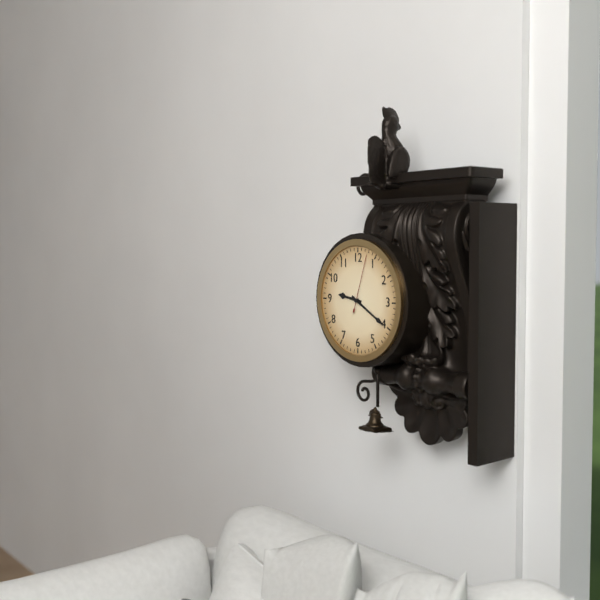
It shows {"hour": 9, "minute": 20, "second": 3}
